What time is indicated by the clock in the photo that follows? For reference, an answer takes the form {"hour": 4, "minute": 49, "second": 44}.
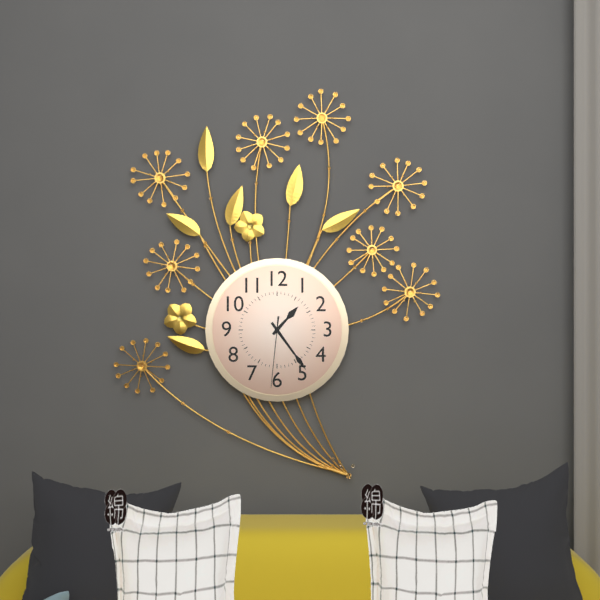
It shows {"hour": 1, "minute": 24, "second": 31}
